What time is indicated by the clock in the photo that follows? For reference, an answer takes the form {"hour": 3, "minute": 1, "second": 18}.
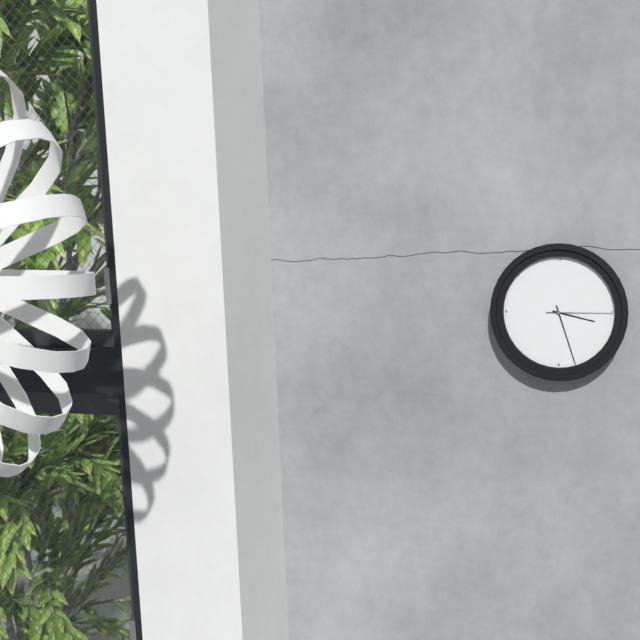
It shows {"hour": 3, "minute": 27, "second": 15}
